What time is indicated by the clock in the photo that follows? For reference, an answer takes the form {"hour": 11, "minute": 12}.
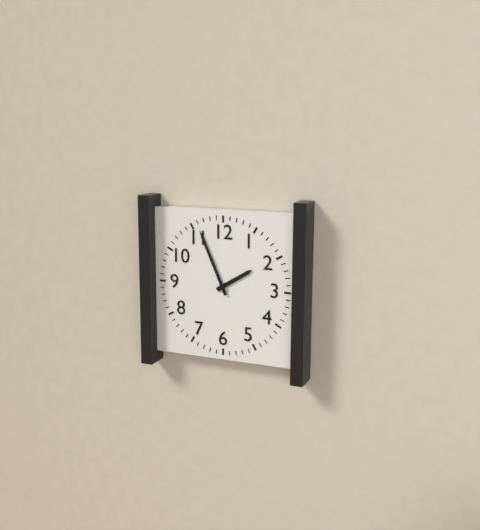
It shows {"hour": 1, "minute": 56}
